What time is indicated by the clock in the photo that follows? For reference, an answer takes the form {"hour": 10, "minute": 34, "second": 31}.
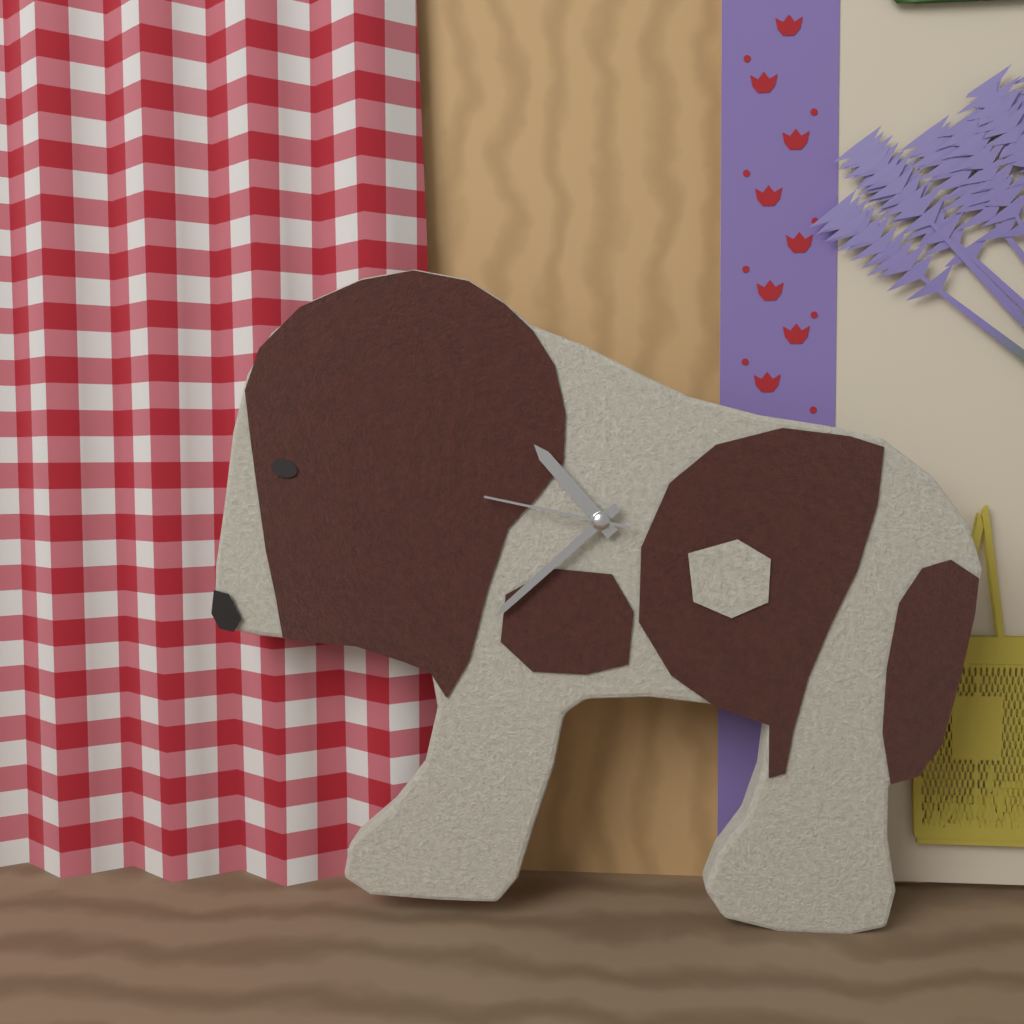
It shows {"hour": 10, "minute": 38, "second": 47}
